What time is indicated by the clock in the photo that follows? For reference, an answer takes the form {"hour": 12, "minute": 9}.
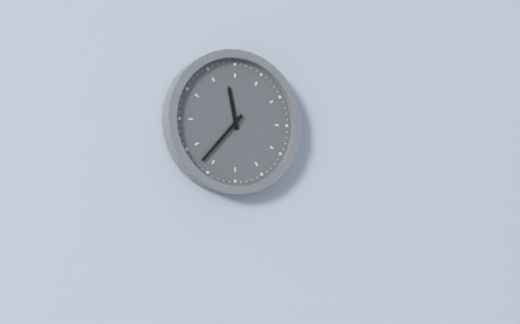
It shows {"hour": 11, "minute": 37}
